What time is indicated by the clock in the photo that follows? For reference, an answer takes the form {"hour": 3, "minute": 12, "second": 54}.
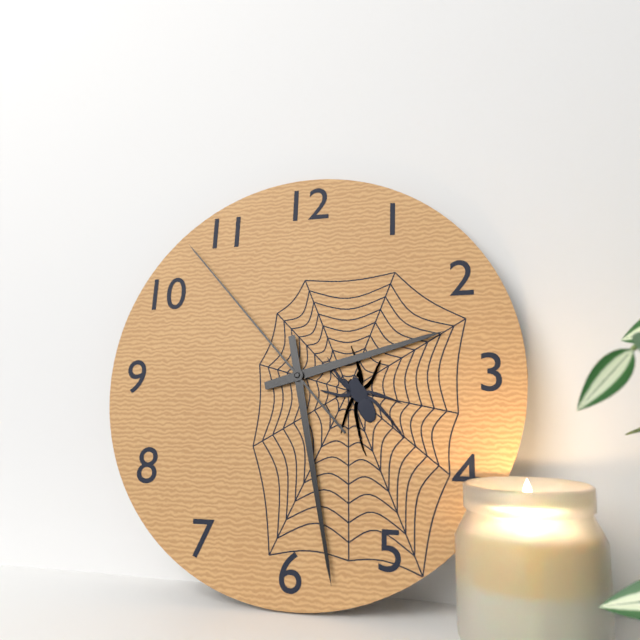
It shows {"hour": 2, "minute": 28, "second": 53}
